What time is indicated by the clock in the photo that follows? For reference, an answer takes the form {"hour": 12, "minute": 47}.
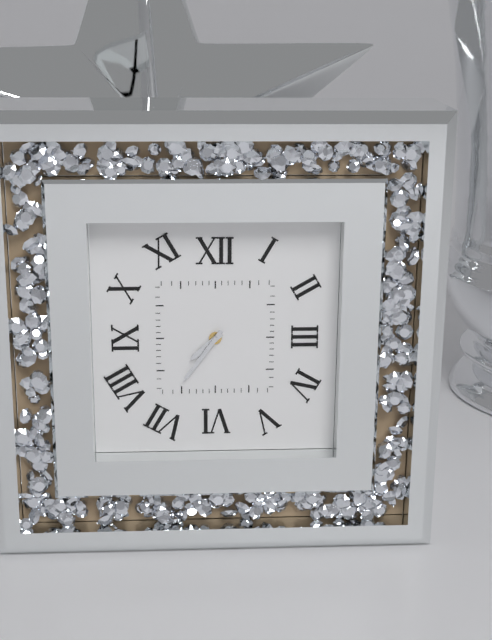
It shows {"hour": 7, "minute": 36}
